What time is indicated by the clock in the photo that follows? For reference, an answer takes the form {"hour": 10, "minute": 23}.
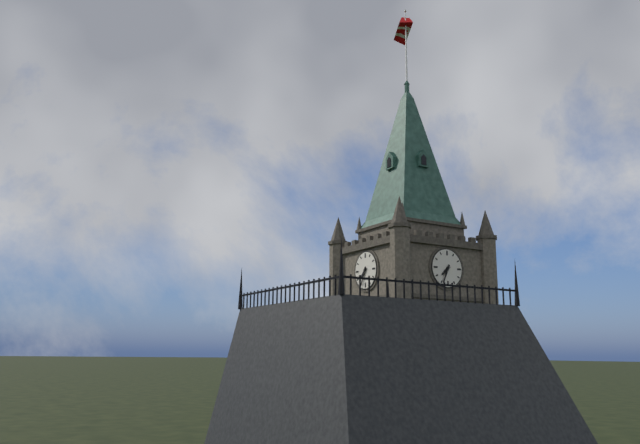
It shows {"hour": 7, "minute": 34}
